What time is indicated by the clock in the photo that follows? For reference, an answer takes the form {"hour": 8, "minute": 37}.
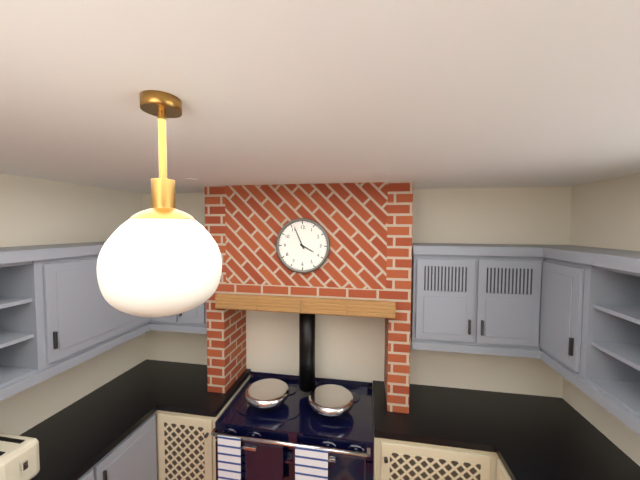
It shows {"hour": 3, "minute": 56}
